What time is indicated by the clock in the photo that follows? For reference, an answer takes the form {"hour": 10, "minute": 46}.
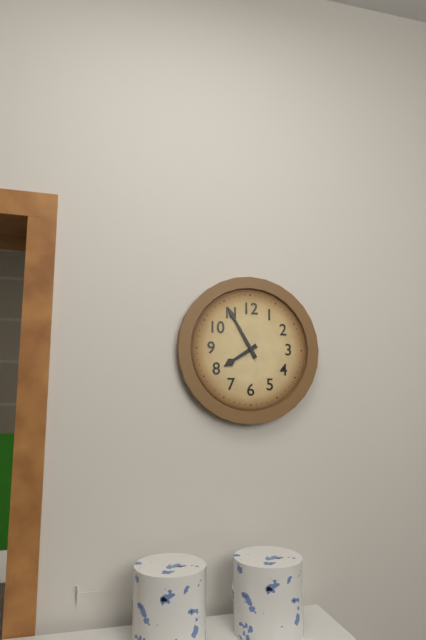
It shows {"hour": 7, "minute": 55}
